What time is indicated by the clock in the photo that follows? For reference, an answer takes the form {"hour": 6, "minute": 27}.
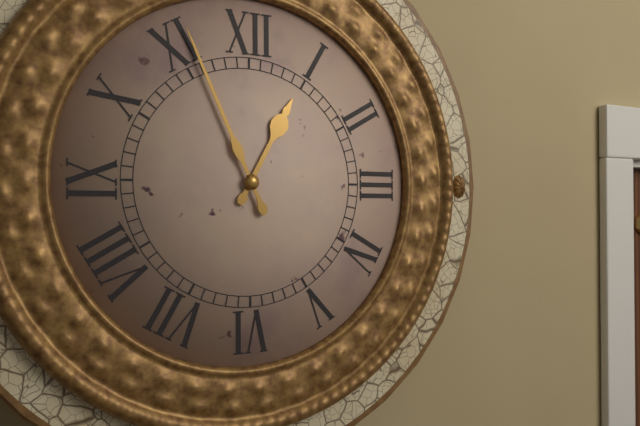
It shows {"hour": 12, "minute": 56}
